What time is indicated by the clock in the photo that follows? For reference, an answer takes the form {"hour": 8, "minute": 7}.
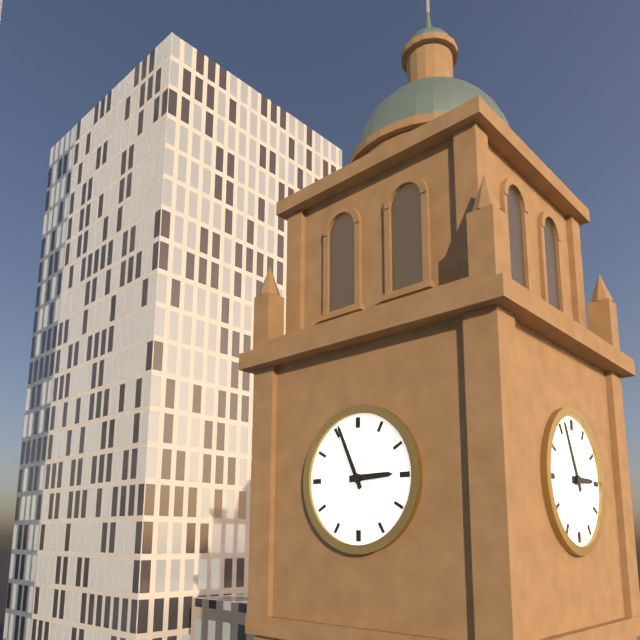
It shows {"hour": 2, "minute": 56}
